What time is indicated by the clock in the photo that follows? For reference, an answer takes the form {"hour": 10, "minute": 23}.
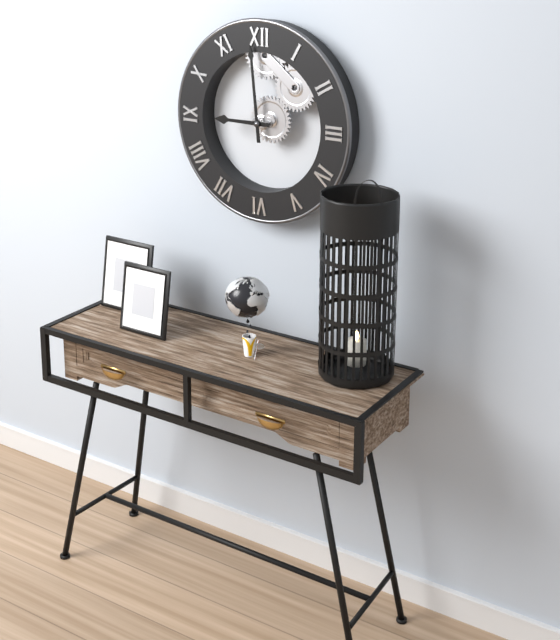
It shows {"hour": 8, "minute": 59}
